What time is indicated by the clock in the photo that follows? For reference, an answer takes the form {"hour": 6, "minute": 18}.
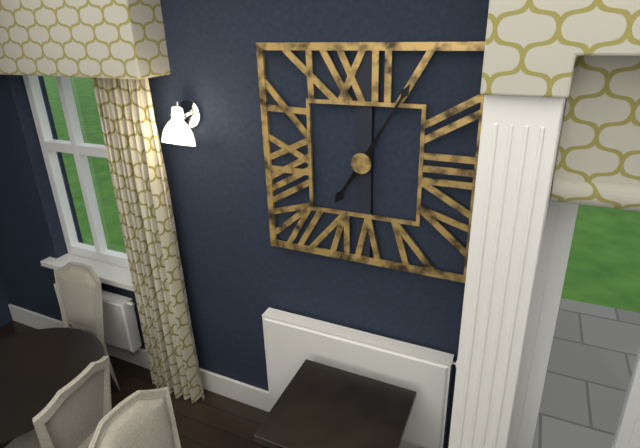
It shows {"hour": 7, "minute": 5}
